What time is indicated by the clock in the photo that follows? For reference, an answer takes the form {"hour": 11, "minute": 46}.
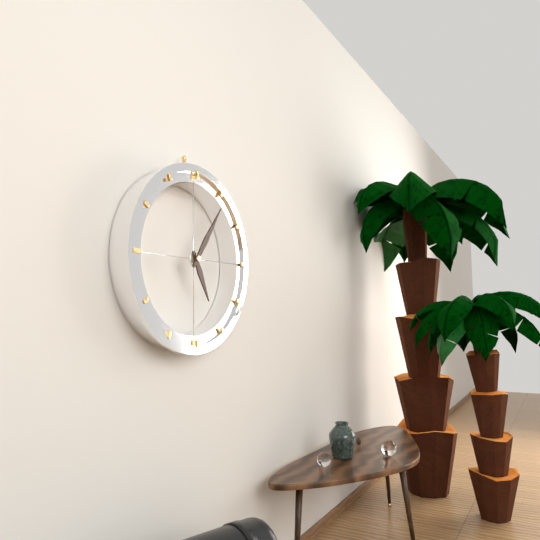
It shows {"hour": 5, "minute": 6}
